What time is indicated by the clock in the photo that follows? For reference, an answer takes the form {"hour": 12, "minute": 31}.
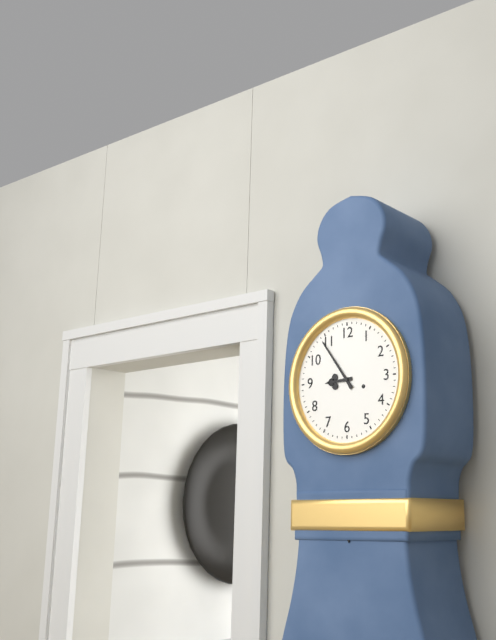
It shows {"hour": 8, "minute": 54}
